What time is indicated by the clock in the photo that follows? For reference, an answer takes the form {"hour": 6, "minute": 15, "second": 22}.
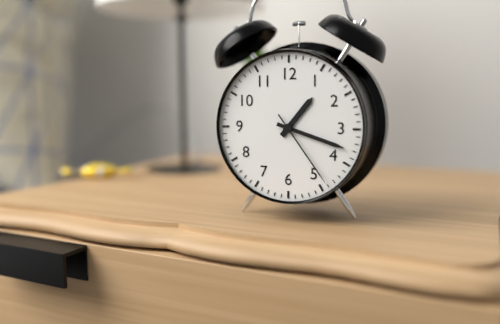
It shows {"hour": 1, "minute": 18, "second": 24}
